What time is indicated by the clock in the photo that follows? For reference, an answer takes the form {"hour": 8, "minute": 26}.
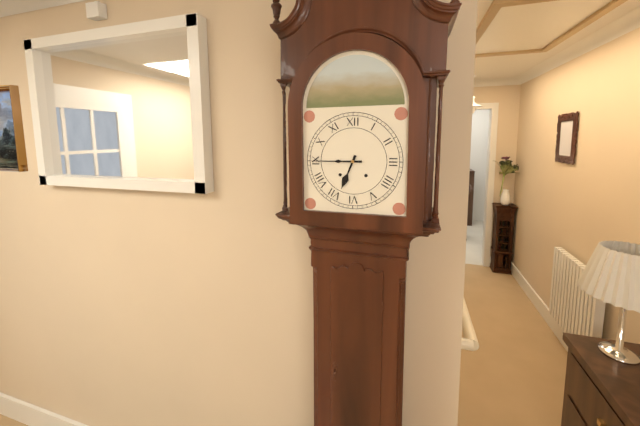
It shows {"hour": 6, "minute": 45}
